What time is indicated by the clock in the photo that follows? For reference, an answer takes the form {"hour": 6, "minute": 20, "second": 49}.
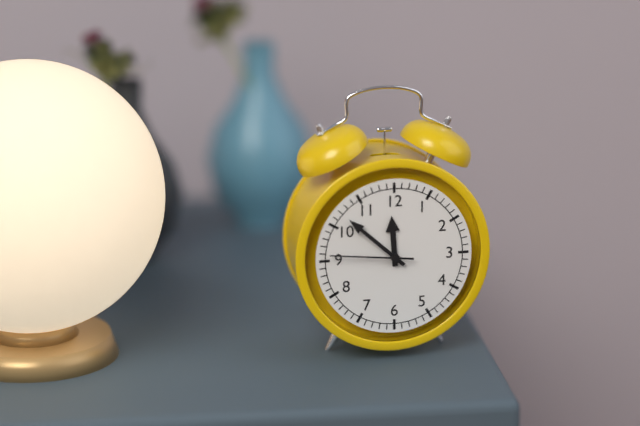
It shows {"hour": 11, "minute": 52, "second": 46}
